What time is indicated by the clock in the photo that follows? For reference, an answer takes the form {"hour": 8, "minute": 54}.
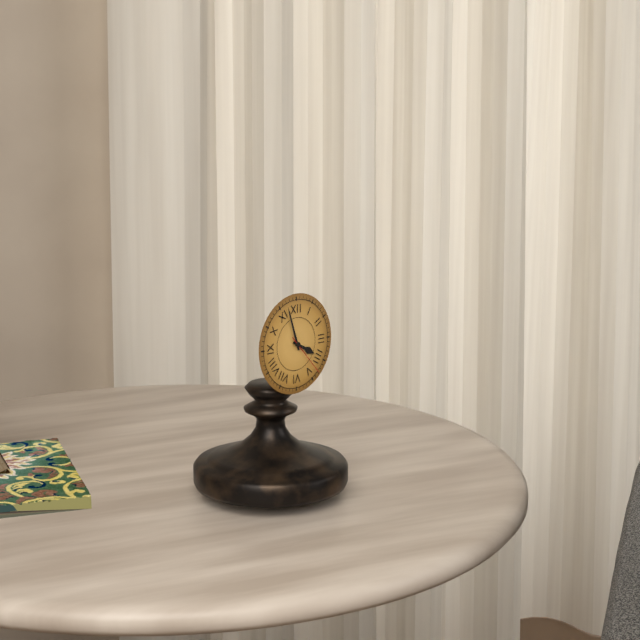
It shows {"hour": 3, "minute": 57}
